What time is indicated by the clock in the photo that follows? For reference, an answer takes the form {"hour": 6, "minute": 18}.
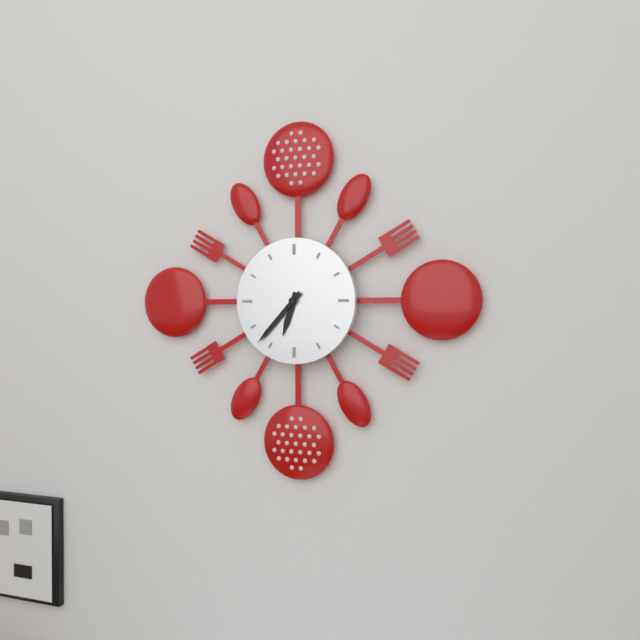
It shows {"hour": 6, "minute": 37}
